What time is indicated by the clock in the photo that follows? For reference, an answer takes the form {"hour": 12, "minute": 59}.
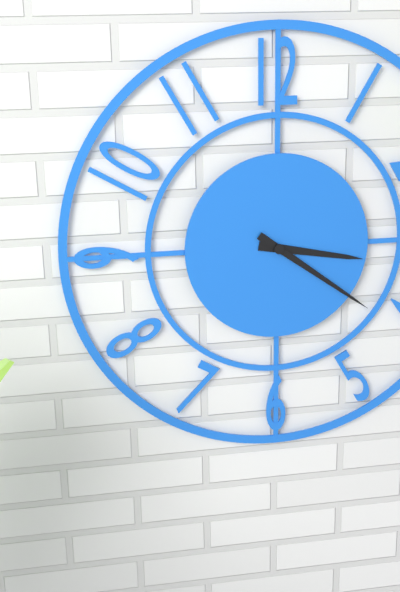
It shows {"hour": 3, "minute": 21}
